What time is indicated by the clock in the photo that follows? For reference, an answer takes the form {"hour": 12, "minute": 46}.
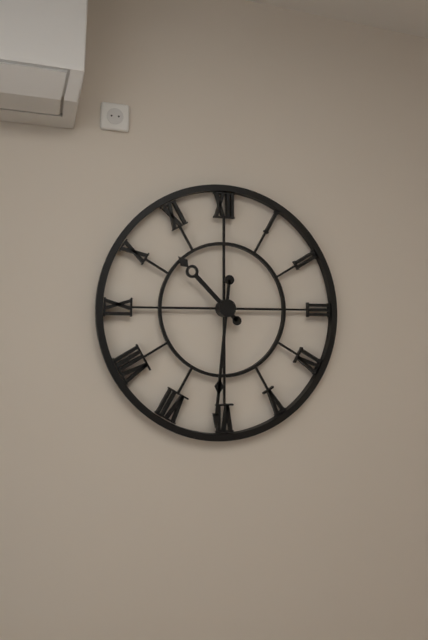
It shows {"hour": 10, "minute": 31}
